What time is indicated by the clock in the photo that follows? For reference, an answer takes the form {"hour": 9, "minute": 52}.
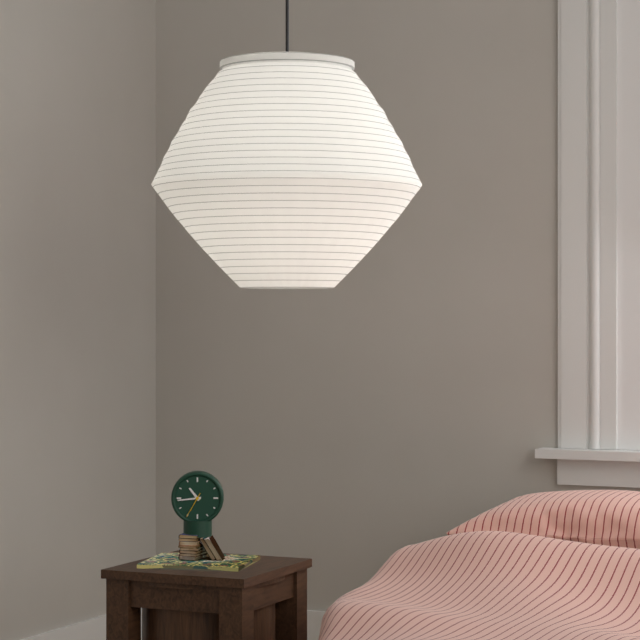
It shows {"hour": 10, "minute": 44}
